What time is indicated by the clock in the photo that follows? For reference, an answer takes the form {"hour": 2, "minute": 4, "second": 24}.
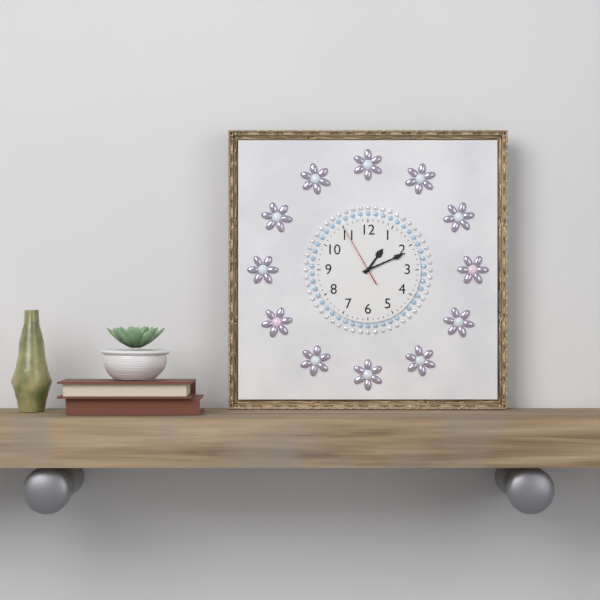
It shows {"hour": 1, "minute": 11, "second": 55}
